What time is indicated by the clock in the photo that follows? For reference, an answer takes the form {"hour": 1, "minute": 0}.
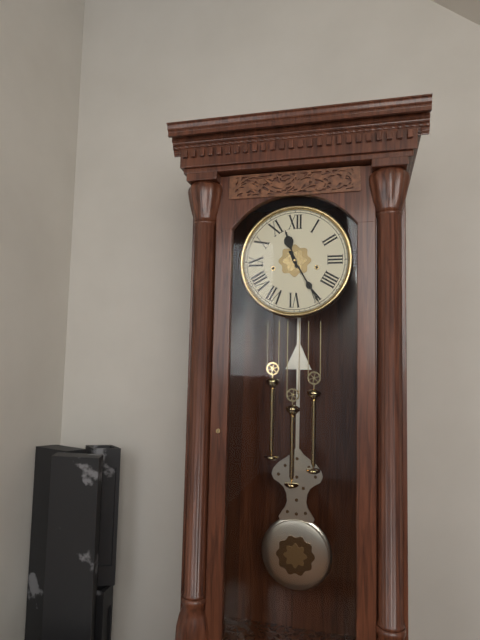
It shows {"hour": 11, "minute": 25}
